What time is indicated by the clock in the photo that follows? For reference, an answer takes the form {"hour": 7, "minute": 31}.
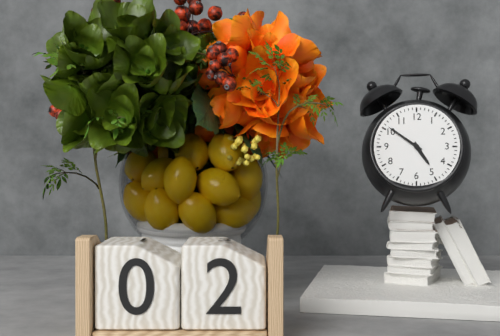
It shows {"hour": 4, "minute": 51}
